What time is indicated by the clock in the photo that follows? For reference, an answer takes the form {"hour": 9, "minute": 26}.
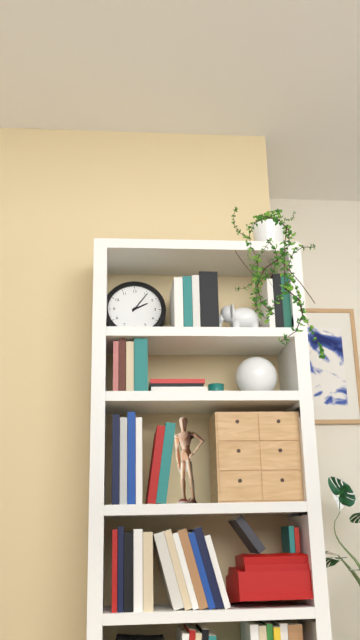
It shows {"hour": 2, "minute": 6}
